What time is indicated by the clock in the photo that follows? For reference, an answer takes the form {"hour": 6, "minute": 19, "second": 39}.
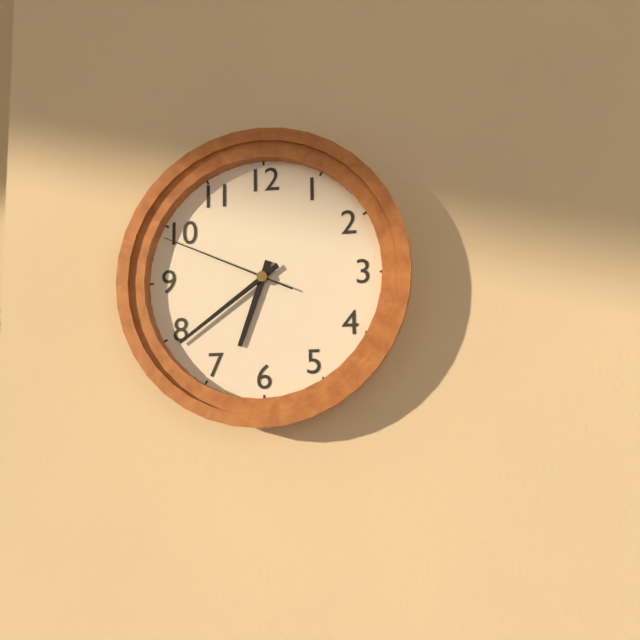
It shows {"hour": 6, "minute": 39, "second": 49}
